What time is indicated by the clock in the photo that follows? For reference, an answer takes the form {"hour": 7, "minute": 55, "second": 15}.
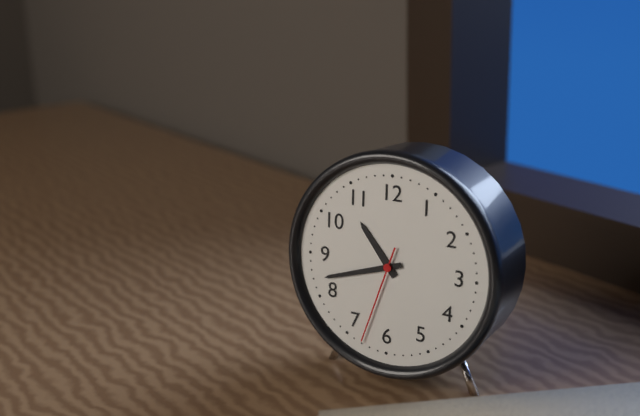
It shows {"hour": 10, "minute": 42, "second": 33}
